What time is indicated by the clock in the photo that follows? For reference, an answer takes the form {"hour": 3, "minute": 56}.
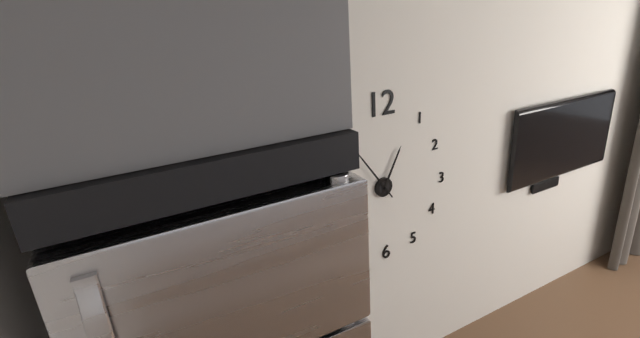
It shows {"hour": 12, "minute": 54}
